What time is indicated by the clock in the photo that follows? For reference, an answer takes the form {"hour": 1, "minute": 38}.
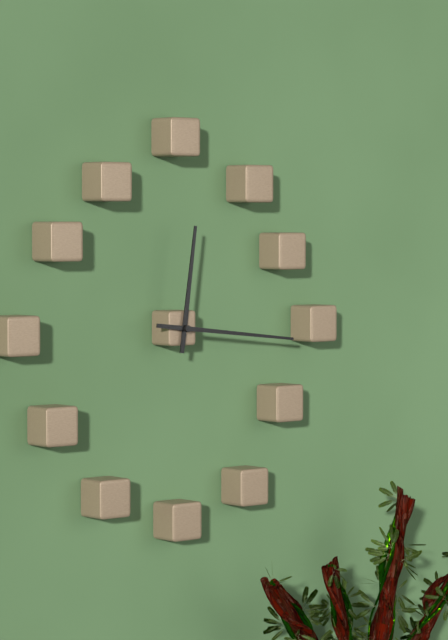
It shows {"hour": 12, "minute": 16}
